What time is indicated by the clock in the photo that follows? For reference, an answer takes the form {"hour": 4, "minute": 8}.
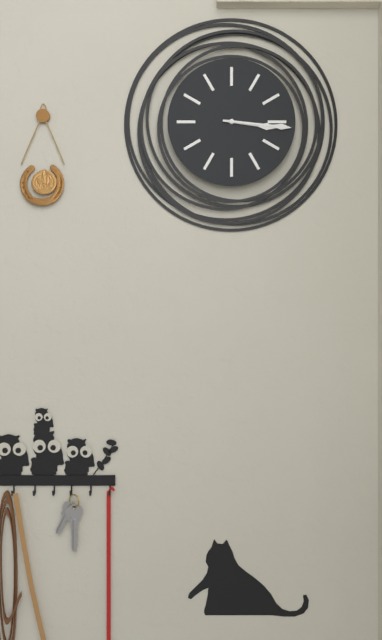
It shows {"hour": 3, "minute": 16}
